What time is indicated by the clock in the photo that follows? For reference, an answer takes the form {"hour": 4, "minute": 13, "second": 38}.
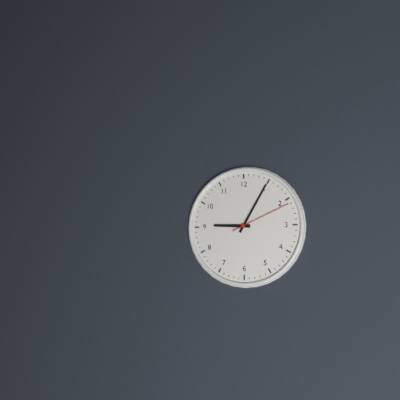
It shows {"hour": 9, "minute": 5, "second": 11}
